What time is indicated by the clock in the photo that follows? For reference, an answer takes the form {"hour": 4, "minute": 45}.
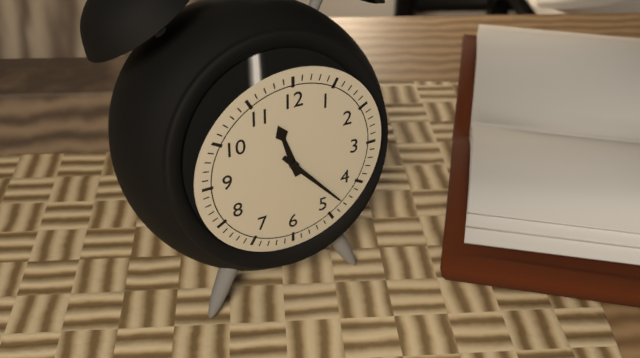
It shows {"hour": 11, "minute": 23}
